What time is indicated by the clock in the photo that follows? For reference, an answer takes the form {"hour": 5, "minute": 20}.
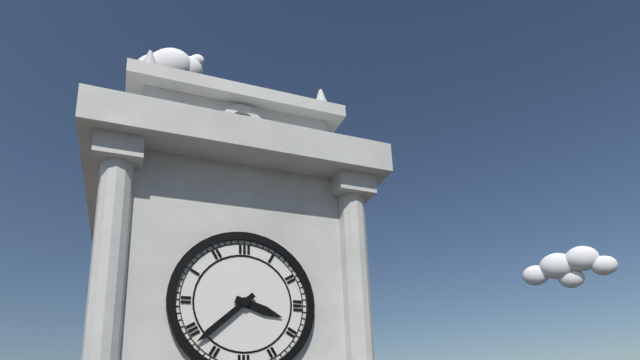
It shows {"hour": 3, "minute": 38}
